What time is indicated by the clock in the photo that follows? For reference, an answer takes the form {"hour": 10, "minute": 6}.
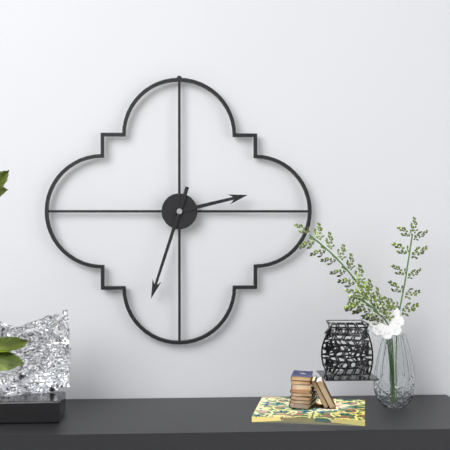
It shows {"hour": 2, "minute": 33}
